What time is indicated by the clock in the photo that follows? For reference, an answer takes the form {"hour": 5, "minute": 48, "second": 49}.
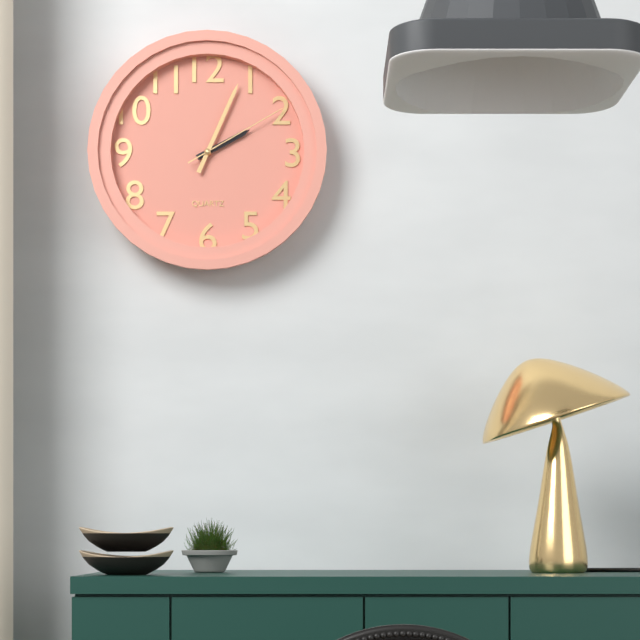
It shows {"hour": 2, "minute": 4, "second": 10}
